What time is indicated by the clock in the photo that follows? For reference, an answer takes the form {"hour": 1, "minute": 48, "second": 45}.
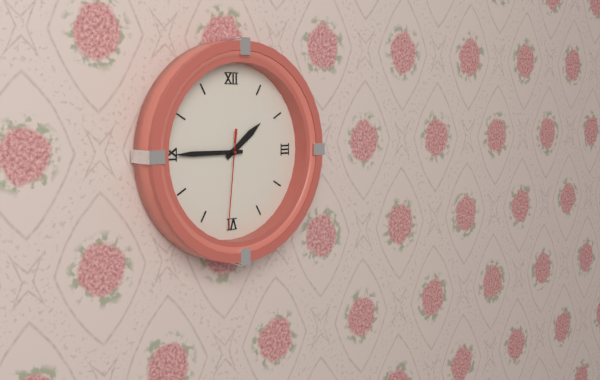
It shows {"hour": 1, "minute": 45, "second": 31}
